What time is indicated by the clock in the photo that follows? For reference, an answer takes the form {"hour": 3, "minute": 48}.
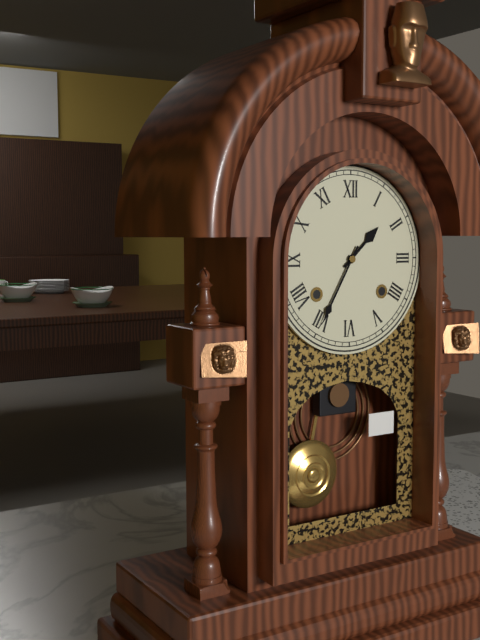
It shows {"hour": 1, "minute": 35}
